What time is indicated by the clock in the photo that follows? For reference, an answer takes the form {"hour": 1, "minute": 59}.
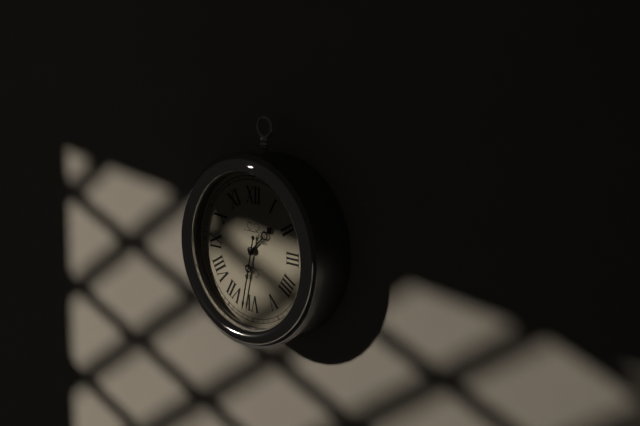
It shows {"hour": 1, "minute": 32}
